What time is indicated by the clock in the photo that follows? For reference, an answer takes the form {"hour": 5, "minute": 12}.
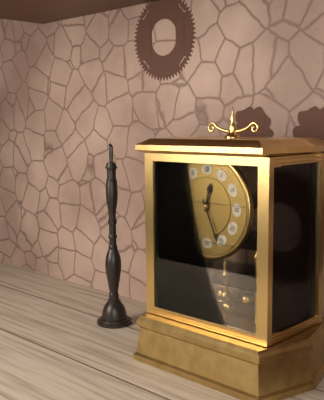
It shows {"hour": 12, "minute": 26}
